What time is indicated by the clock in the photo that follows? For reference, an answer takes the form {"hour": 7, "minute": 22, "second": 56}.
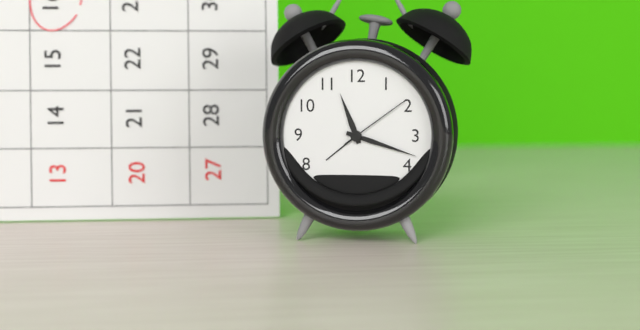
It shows {"hour": 11, "minute": 18, "second": 9}
